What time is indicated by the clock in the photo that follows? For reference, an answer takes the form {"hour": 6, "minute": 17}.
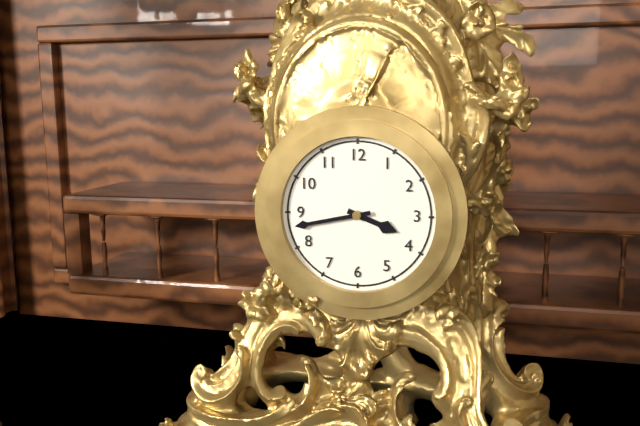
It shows {"hour": 3, "minute": 43}
